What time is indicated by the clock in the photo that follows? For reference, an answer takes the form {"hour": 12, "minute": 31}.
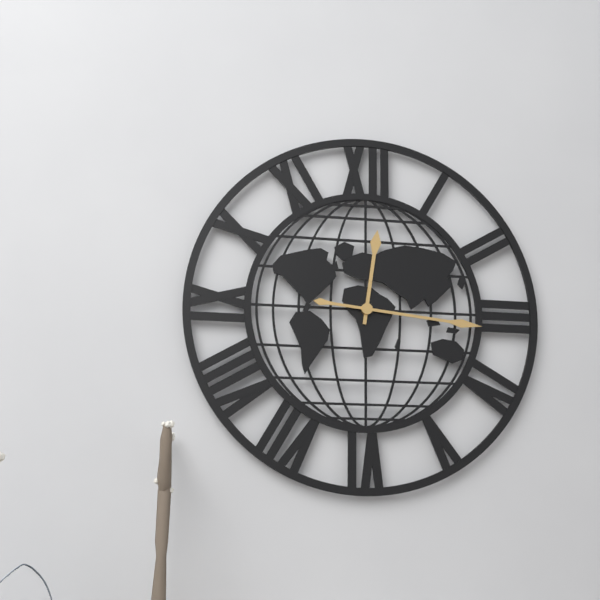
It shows {"hour": 12, "minute": 16}
